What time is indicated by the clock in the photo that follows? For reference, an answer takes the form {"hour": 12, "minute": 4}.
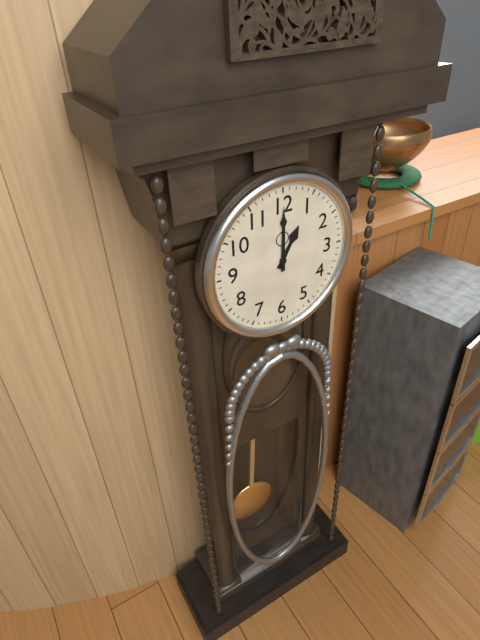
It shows {"hour": 1, "minute": 0}
